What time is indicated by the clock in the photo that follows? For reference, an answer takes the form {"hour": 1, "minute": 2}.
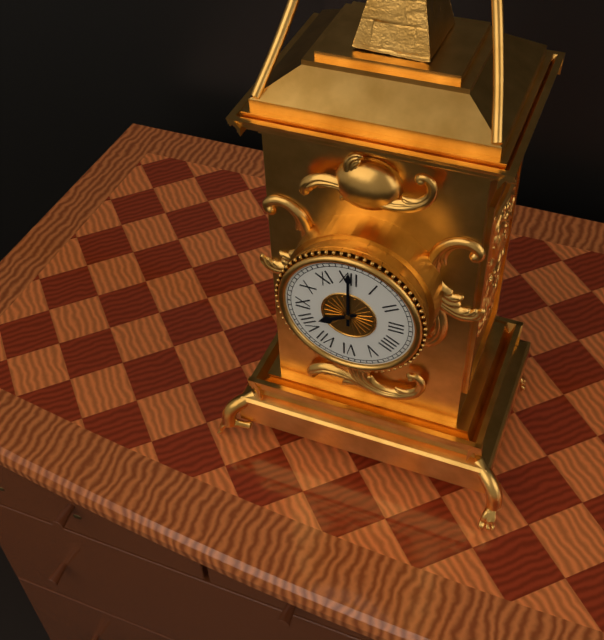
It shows {"hour": 8, "minute": 0}
